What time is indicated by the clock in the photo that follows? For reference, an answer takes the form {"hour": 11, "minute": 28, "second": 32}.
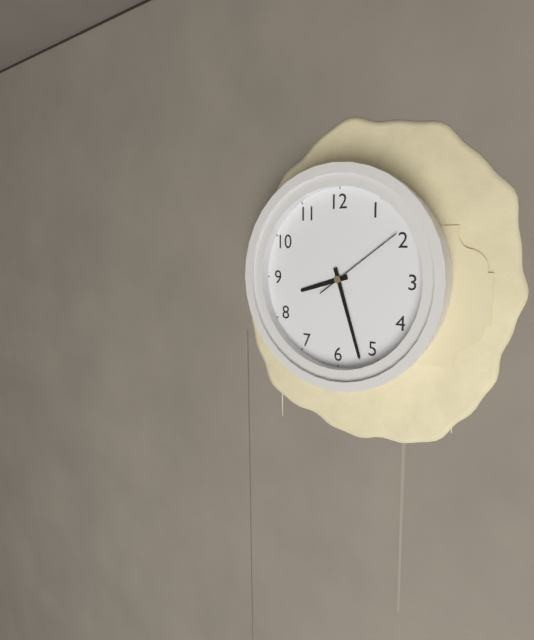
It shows {"hour": 8, "minute": 27, "second": 9}
